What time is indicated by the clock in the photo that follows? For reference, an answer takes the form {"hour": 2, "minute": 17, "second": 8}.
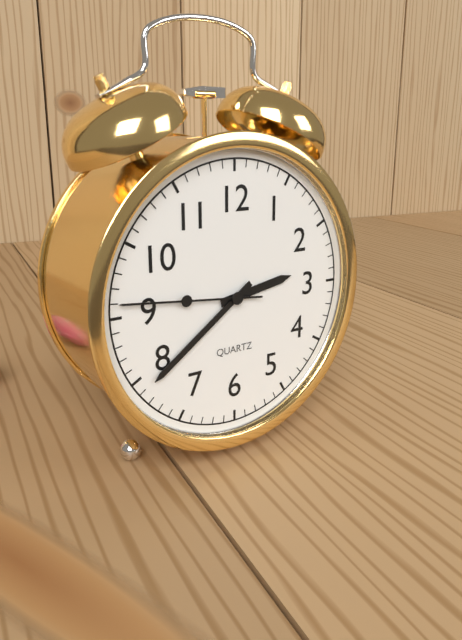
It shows {"hour": 2, "minute": 39, "second": 46}
